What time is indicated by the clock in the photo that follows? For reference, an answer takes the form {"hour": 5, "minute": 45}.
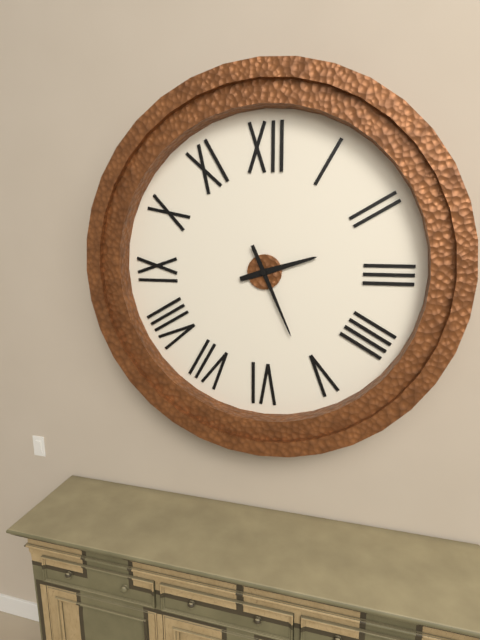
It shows {"hour": 2, "minute": 26}
